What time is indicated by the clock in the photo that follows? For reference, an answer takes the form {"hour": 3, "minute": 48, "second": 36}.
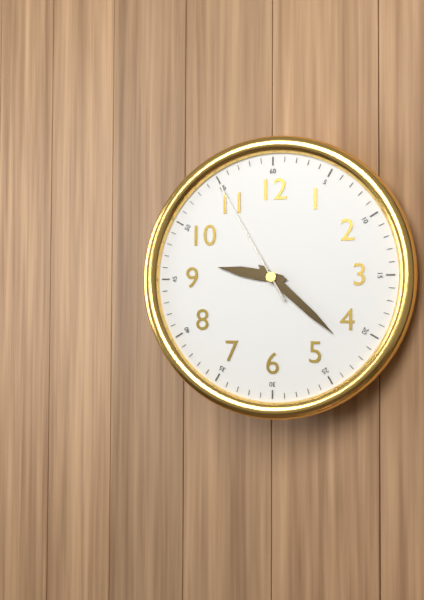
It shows {"hour": 9, "minute": 22, "second": 55}
